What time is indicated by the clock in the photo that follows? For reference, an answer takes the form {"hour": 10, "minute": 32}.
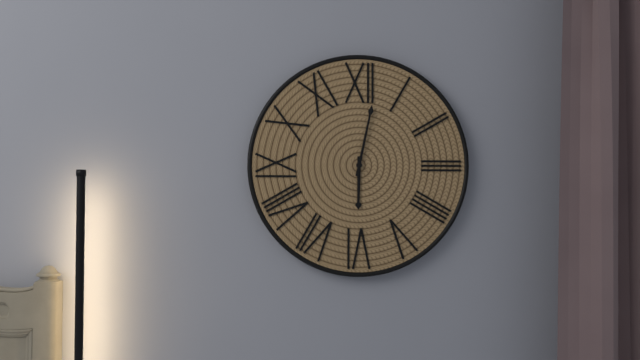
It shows {"hour": 6, "minute": 2}
